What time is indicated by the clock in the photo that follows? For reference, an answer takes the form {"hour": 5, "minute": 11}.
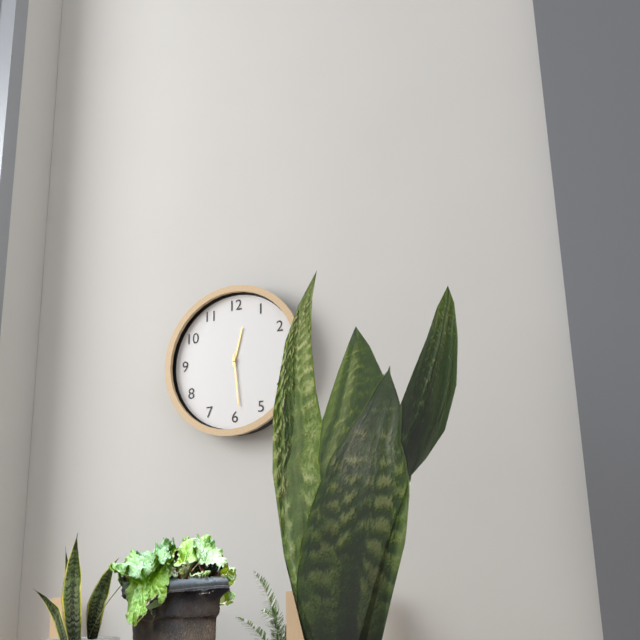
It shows {"hour": 12, "minute": 29}
